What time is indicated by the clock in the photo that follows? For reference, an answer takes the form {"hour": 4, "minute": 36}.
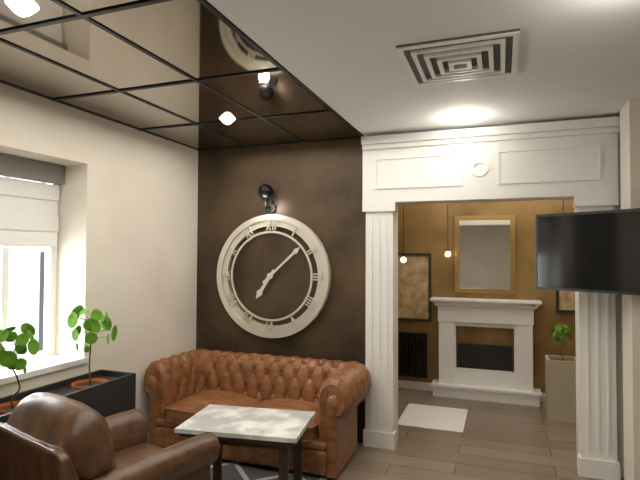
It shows {"hour": 7, "minute": 8}
